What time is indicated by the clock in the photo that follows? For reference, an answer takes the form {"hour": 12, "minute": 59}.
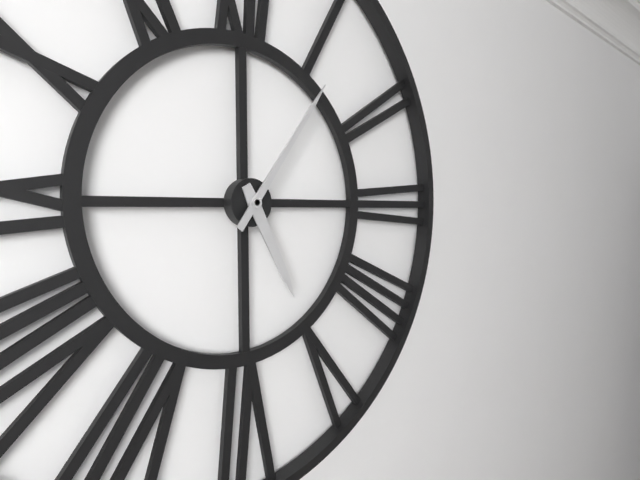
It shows {"hour": 5, "minute": 6}
